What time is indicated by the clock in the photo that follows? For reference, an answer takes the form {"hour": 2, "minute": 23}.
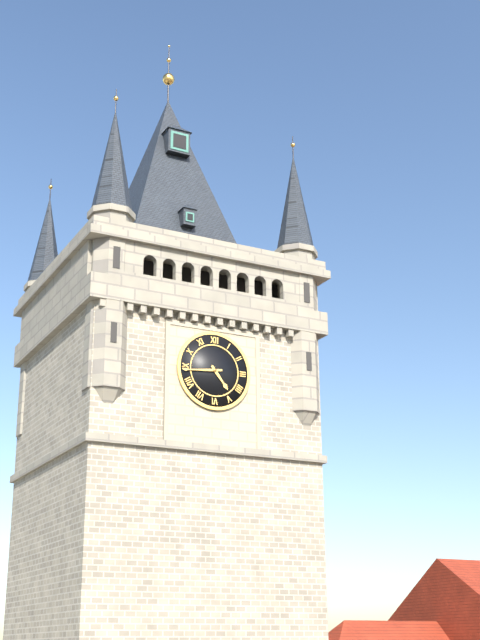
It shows {"hour": 4, "minute": 44}
